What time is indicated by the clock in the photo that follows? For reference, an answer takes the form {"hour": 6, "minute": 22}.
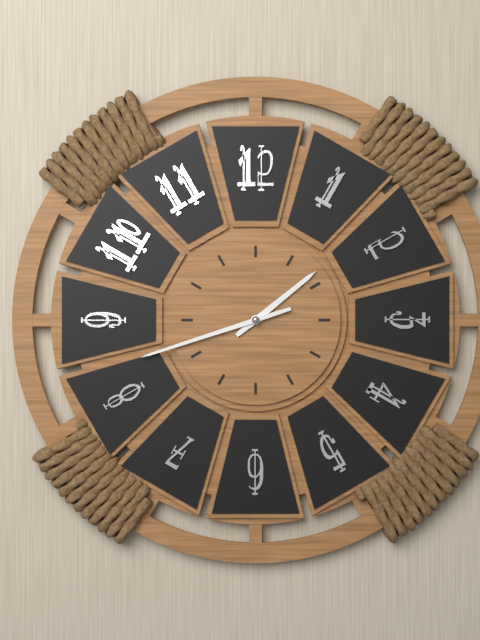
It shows {"hour": 1, "minute": 42}
